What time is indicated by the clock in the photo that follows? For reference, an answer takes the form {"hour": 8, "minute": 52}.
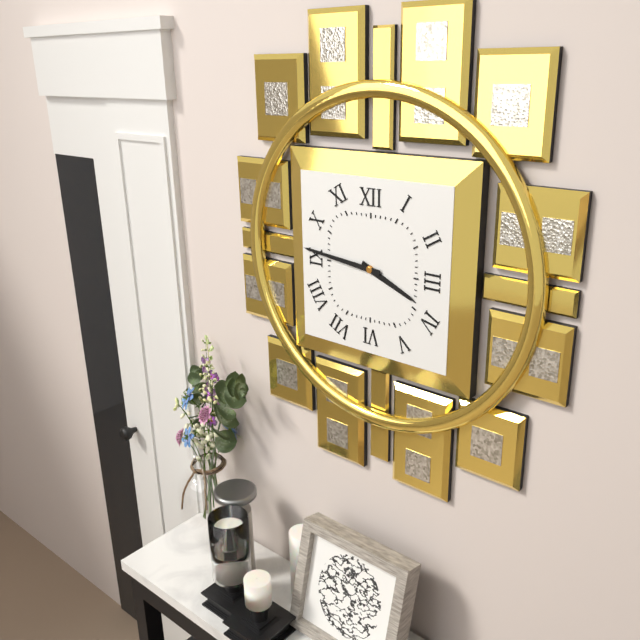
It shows {"hour": 3, "minute": 46}
